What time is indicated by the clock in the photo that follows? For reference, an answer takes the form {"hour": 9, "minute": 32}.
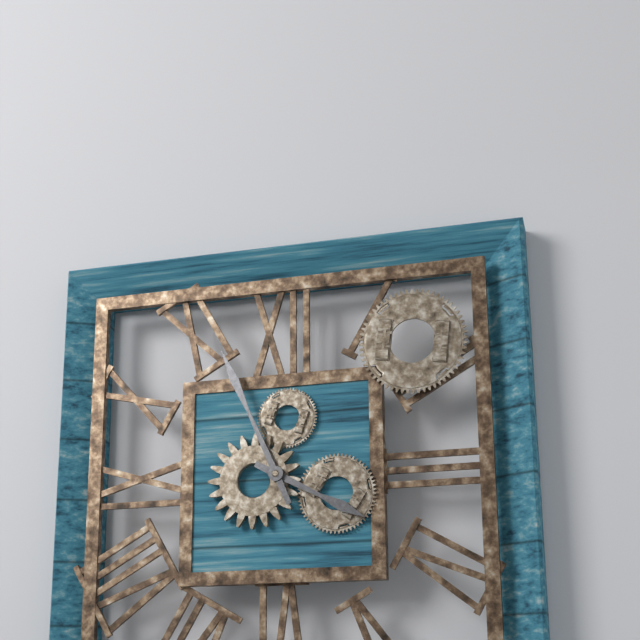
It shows {"hour": 3, "minute": 56}
